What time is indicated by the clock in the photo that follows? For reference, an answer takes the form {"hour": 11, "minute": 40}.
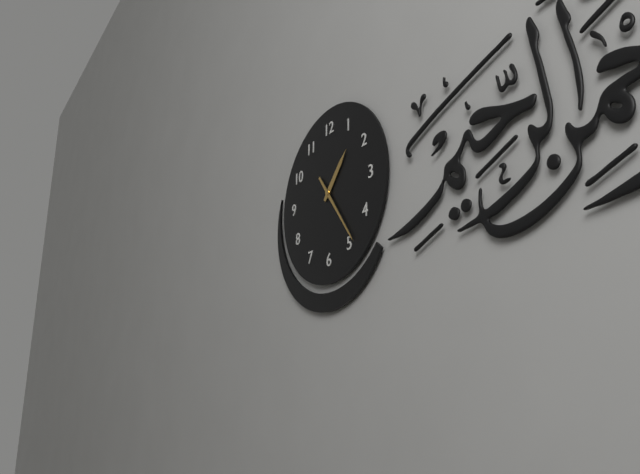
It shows {"hour": 1, "minute": 24}
